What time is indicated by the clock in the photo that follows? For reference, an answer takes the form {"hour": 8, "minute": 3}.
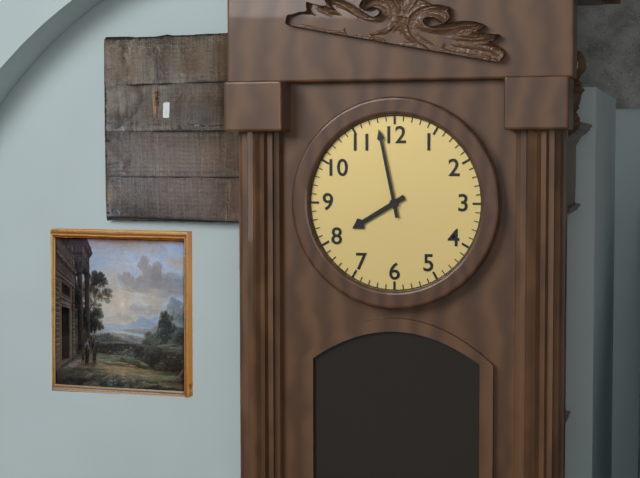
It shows {"hour": 7, "minute": 58}
